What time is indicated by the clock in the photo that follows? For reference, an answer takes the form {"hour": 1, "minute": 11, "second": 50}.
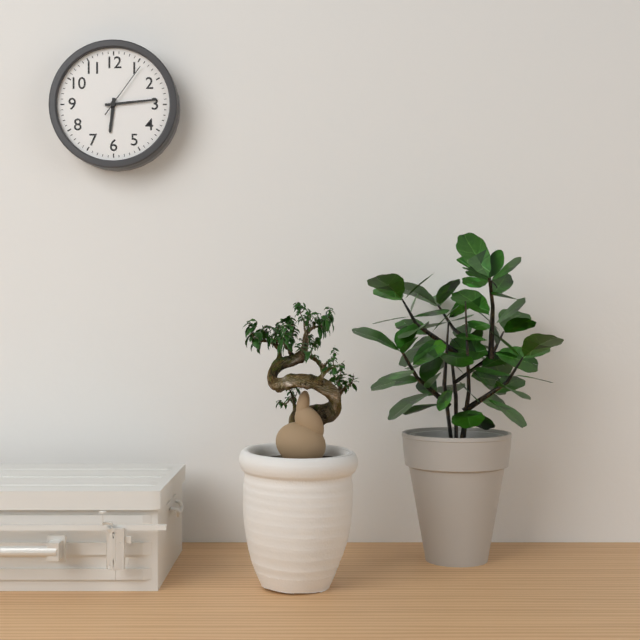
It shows {"hour": 6, "minute": 14, "second": 6}
